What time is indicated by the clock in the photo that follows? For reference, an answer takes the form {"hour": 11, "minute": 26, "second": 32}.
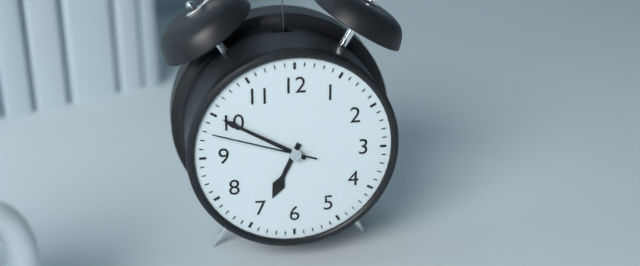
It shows {"hour": 6, "minute": 50, "second": 48}
